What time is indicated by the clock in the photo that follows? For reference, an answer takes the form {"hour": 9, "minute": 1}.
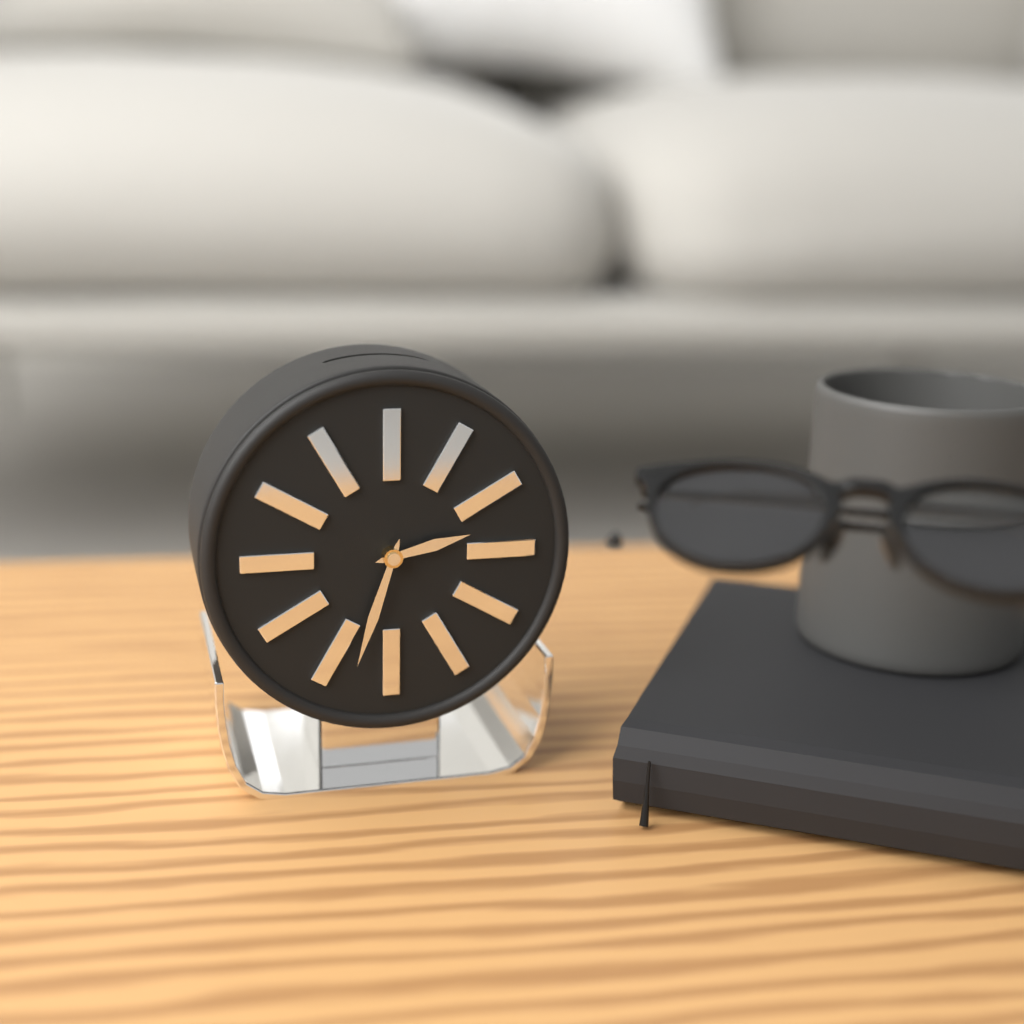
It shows {"hour": 2, "minute": 33}
